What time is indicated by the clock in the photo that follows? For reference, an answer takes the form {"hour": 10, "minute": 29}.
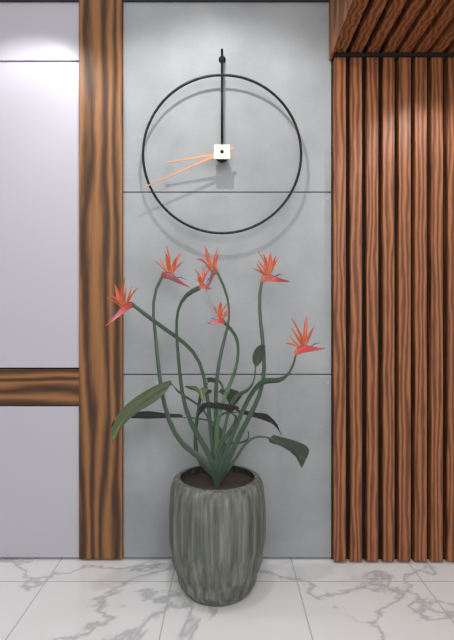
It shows {"hour": 8, "minute": 41}
